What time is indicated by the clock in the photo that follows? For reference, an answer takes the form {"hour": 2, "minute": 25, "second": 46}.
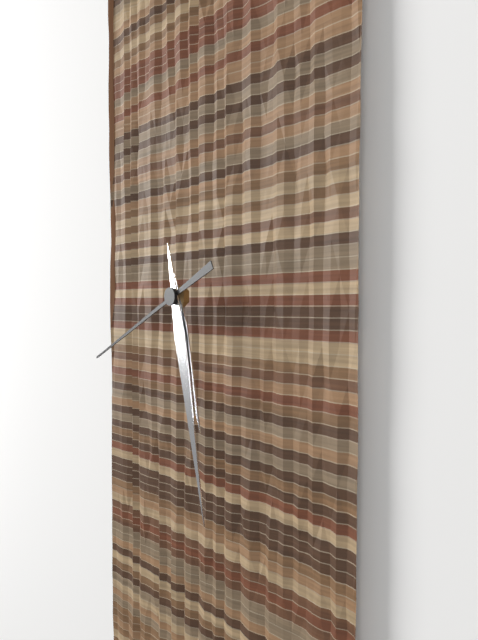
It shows {"hour": 5, "minute": 28, "second": 41}
